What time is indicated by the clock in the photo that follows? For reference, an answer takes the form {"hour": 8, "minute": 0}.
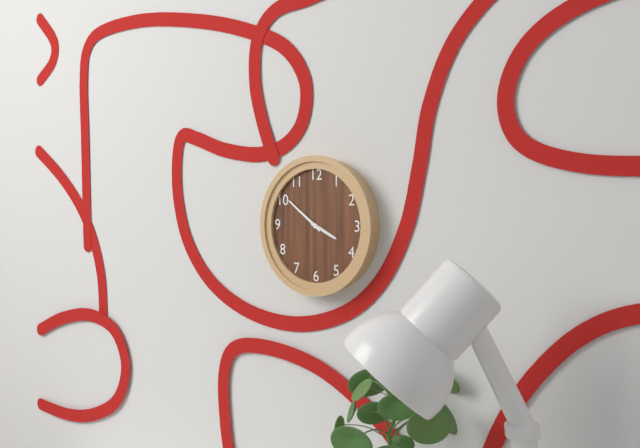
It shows {"hour": 3, "minute": 51}
